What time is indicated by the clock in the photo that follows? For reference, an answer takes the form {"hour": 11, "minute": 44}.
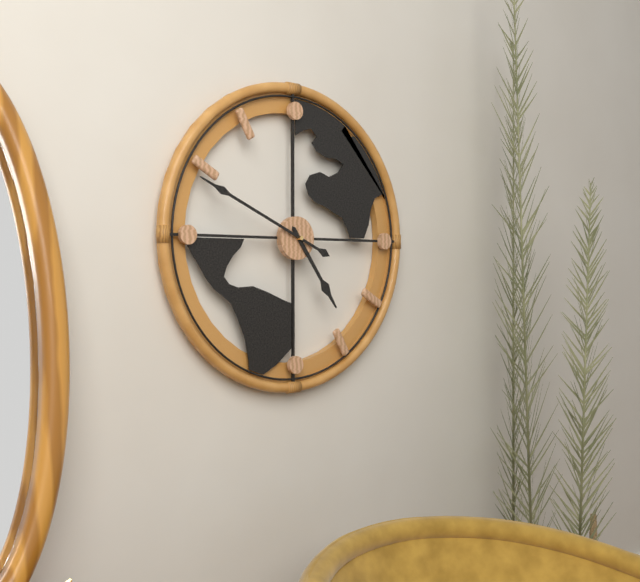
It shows {"hour": 4, "minute": 49}
